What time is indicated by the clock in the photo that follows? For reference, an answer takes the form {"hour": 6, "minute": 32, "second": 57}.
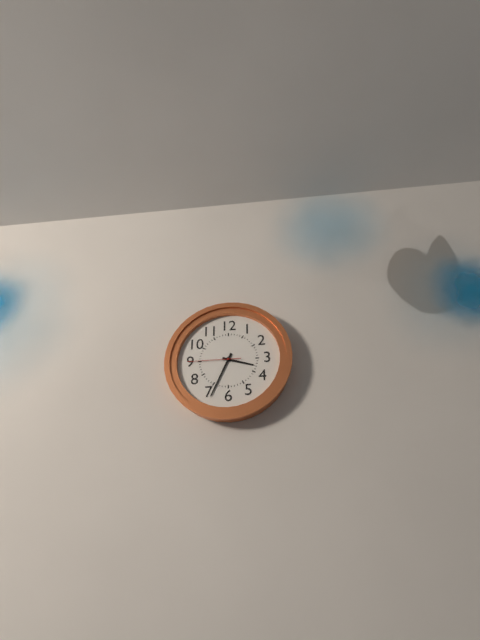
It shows {"hour": 3, "minute": 34, "second": 45}
